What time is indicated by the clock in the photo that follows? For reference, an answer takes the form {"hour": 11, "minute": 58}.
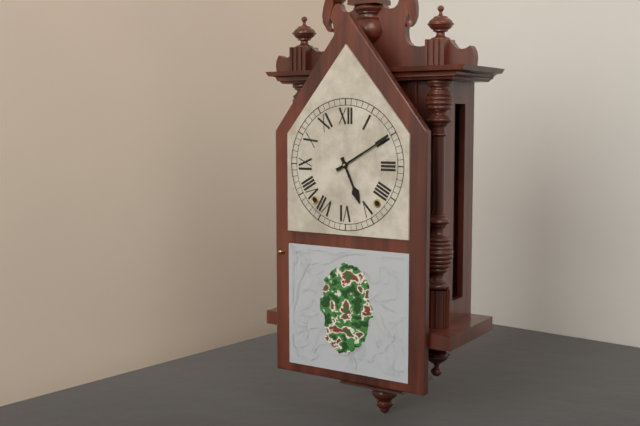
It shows {"hour": 5, "minute": 10}
